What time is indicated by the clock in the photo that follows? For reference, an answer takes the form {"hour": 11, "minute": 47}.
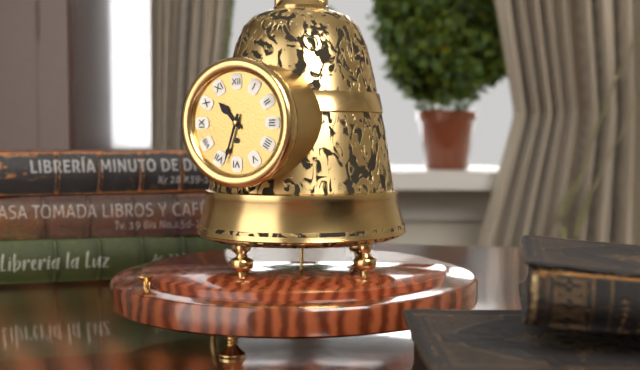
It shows {"hour": 10, "minute": 33}
